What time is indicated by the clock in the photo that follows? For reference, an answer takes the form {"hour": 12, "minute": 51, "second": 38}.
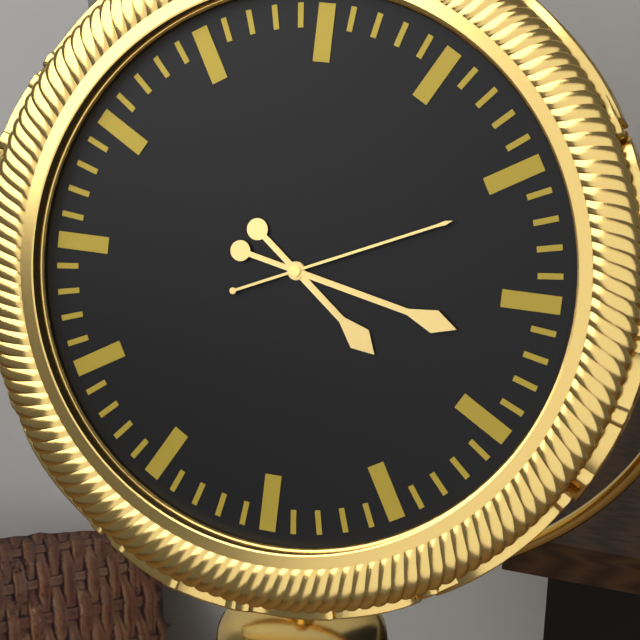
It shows {"hour": 4, "minute": 17, "second": 11}
